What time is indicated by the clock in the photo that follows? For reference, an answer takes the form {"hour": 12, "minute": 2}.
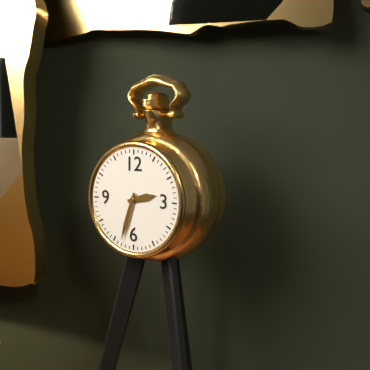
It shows {"hour": 2, "minute": 33}
